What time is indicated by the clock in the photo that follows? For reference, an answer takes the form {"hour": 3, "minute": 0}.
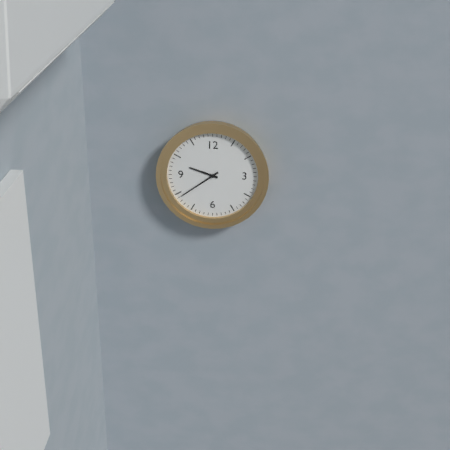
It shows {"hour": 9, "minute": 39}
